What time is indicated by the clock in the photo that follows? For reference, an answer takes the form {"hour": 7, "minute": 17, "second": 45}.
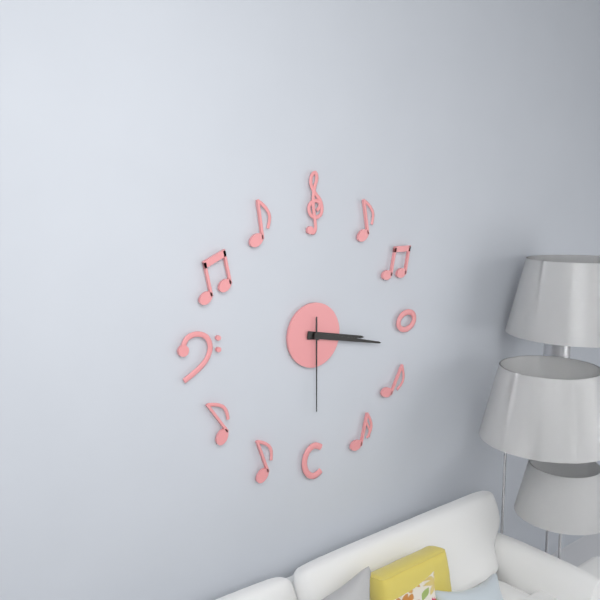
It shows {"hour": 3, "minute": 17, "second": 30}
